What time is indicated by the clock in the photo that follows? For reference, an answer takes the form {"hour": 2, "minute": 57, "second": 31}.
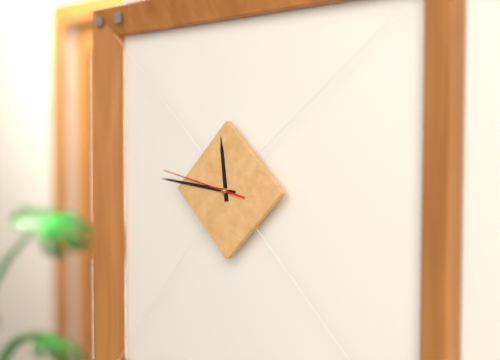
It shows {"hour": 11, "minute": 46, "second": 47}
